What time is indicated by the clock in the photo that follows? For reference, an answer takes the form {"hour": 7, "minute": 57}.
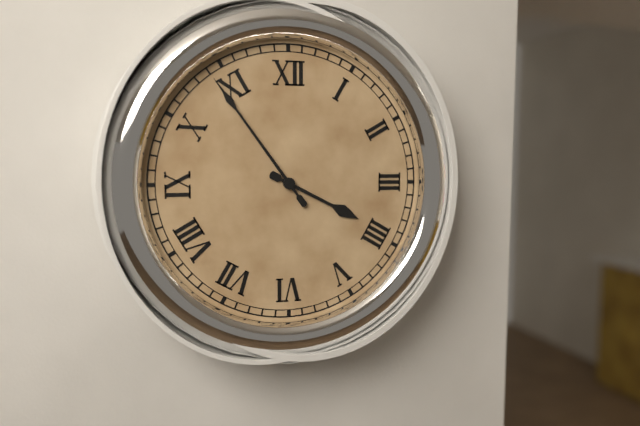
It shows {"hour": 3, "minute": 54}
